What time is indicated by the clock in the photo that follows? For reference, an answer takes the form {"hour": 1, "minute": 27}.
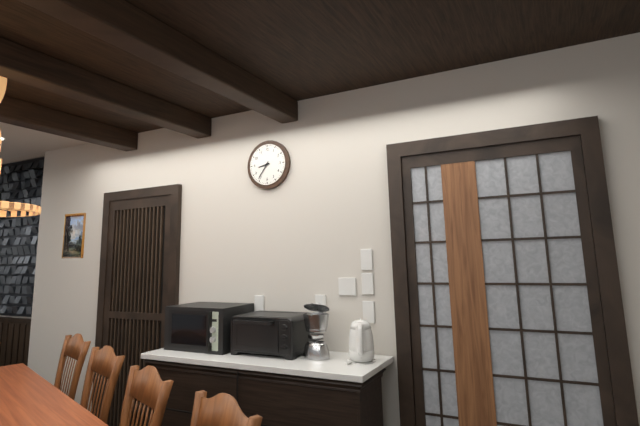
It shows {"hour": 8, "minute": 36}
